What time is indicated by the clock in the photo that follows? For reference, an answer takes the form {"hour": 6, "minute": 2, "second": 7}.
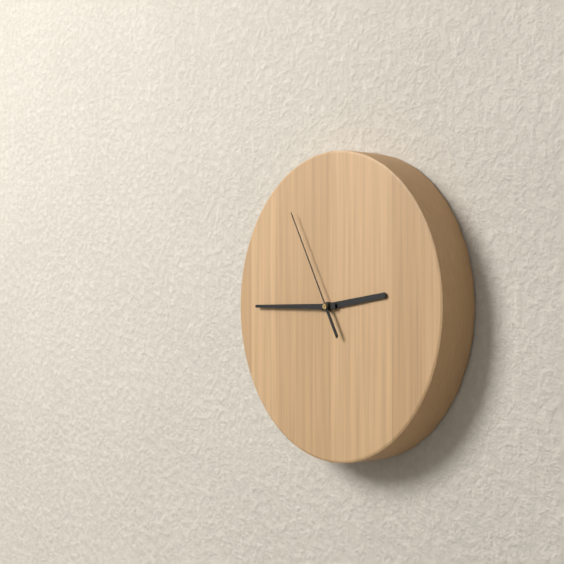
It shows {"hour": 2, "minute": 45, "second": 55}
